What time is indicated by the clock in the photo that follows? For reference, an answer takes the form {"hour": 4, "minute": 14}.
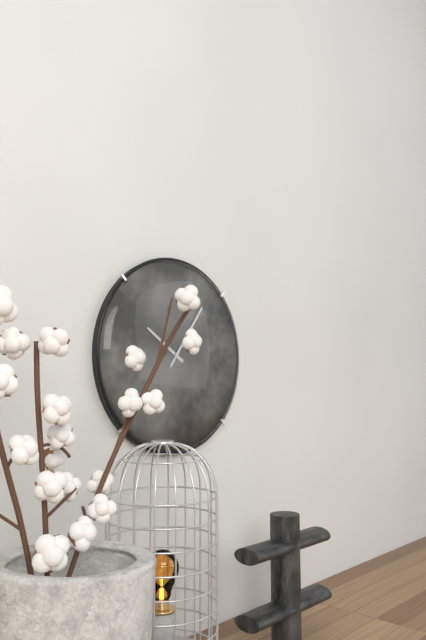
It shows {"hour": 10, "minute": 6}
